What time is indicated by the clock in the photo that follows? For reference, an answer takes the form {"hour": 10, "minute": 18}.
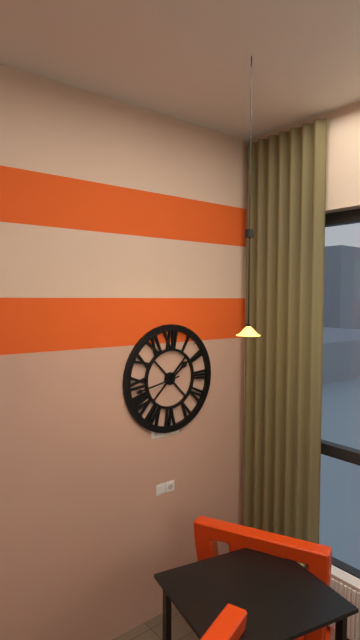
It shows {"hour": 1, "minute": 43}
